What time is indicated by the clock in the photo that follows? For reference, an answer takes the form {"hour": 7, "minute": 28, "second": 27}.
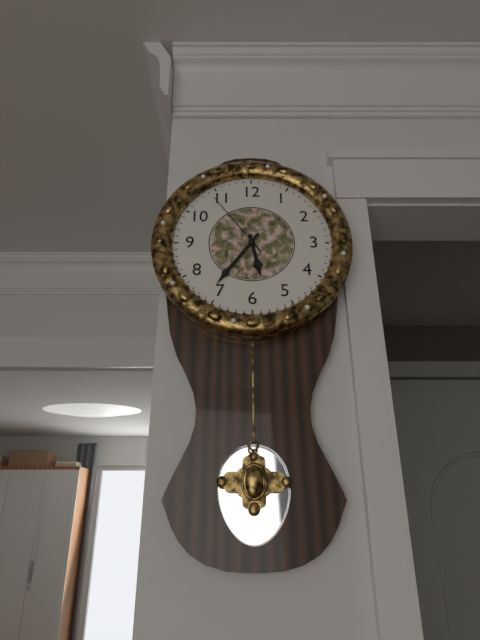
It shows {"hour": 5, "minute": 36, "second": 54}
